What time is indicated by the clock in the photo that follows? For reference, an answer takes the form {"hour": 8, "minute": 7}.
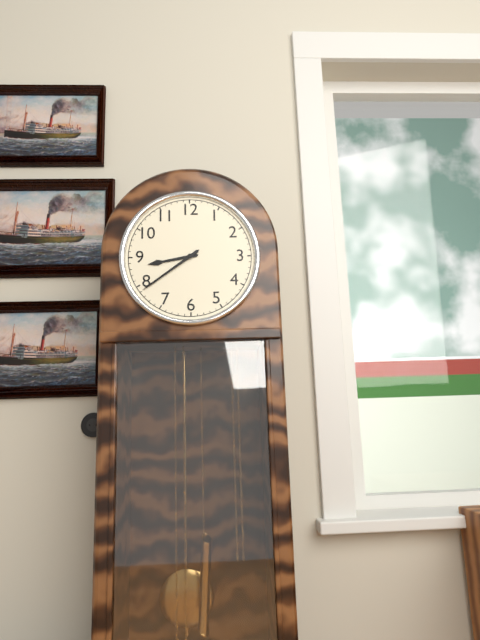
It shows {"hour": 8, "minute": 39}
